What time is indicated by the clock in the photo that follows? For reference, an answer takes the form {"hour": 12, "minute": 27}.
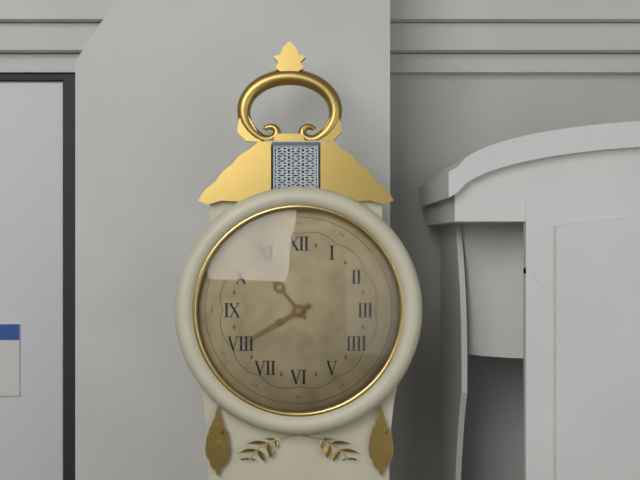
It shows {"hour": 10, "minute": 40}
